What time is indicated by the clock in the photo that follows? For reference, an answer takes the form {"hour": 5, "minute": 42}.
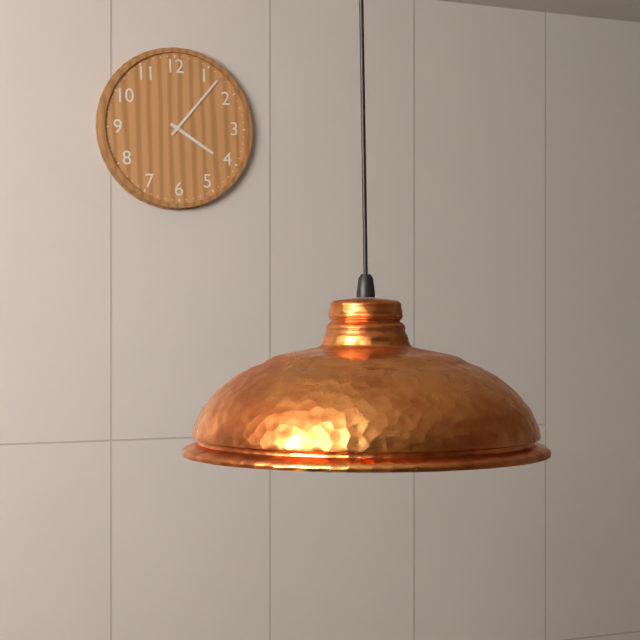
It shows {"hour": 4, "minute": 7}
